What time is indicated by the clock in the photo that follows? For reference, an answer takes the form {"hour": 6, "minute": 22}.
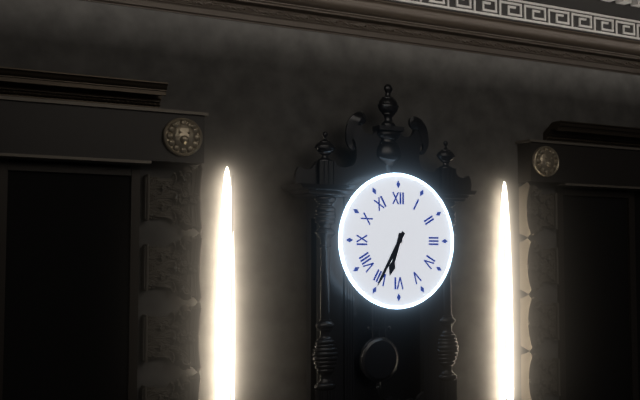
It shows {"hour": 6, "minute": 35}
